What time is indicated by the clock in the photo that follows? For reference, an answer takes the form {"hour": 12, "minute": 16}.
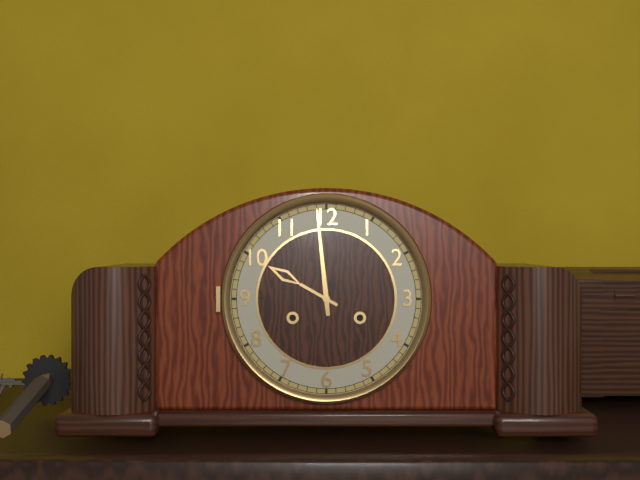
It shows {"hour": 9, "minute": 59}
